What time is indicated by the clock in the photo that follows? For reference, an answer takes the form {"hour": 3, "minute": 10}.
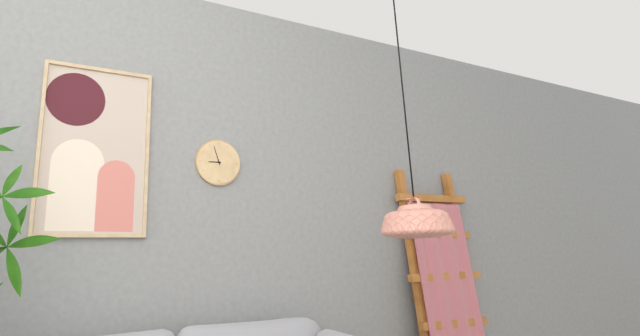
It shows {"hour": 8, "minute": 57}
